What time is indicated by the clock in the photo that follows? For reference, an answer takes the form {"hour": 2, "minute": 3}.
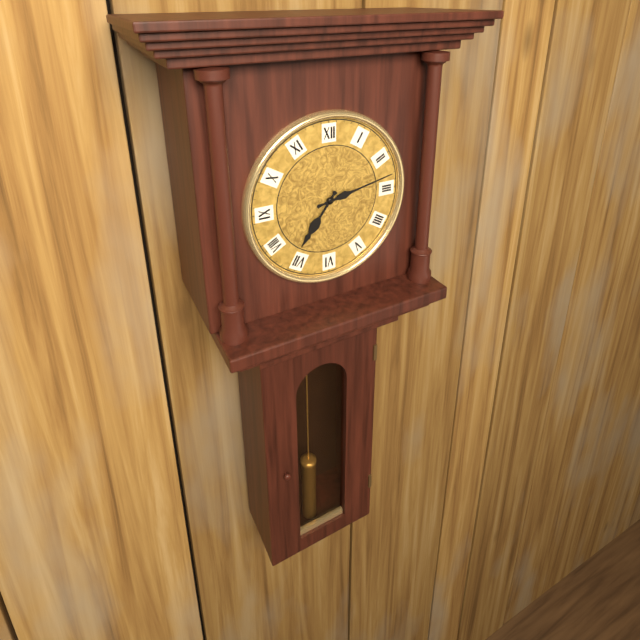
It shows {"hour": 7, "minute": 13}
